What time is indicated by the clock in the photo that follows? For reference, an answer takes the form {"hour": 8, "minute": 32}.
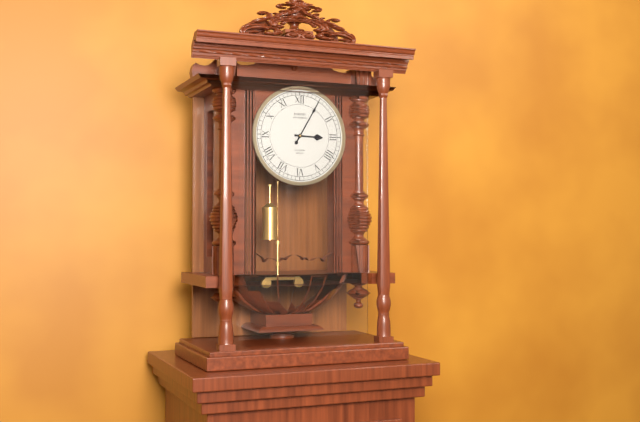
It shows {"hour": 3, "minute": 5}
